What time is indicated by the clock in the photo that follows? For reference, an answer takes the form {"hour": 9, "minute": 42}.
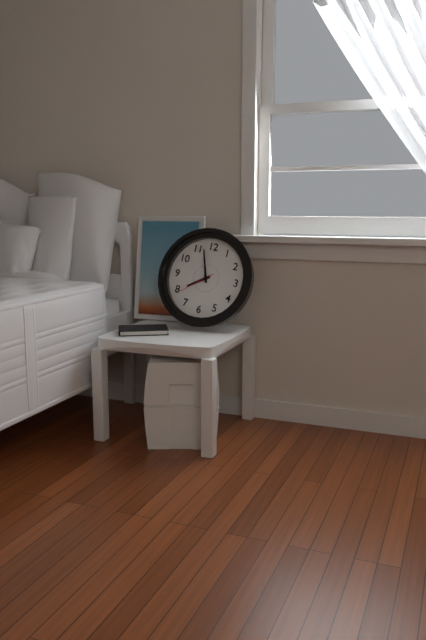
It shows {"hour": 7, "minute": 57}
